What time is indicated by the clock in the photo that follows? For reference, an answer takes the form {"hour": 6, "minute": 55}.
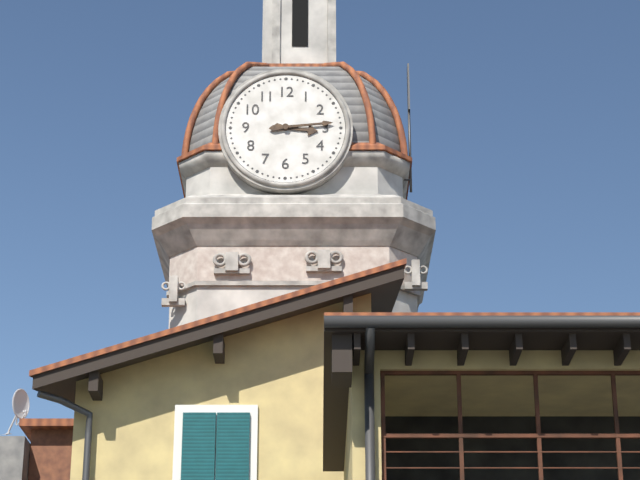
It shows {"hour": 3, "minute": 14}
